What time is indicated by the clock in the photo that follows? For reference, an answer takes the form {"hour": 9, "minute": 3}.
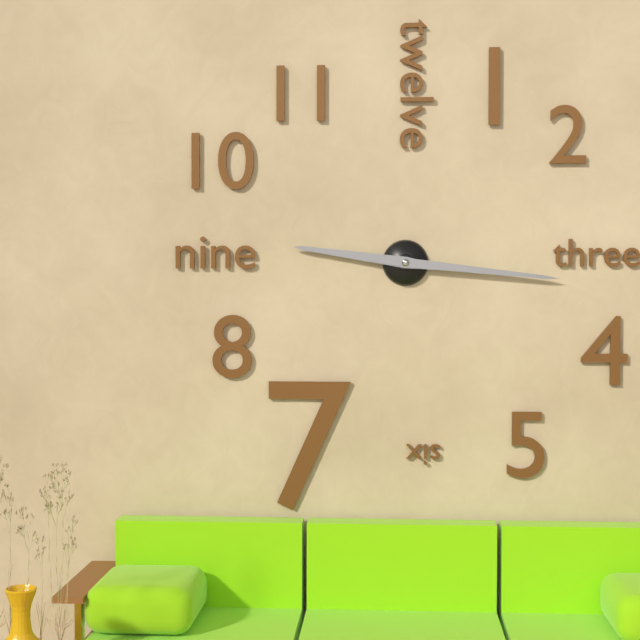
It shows {"hour": 9, "minute": 16}
